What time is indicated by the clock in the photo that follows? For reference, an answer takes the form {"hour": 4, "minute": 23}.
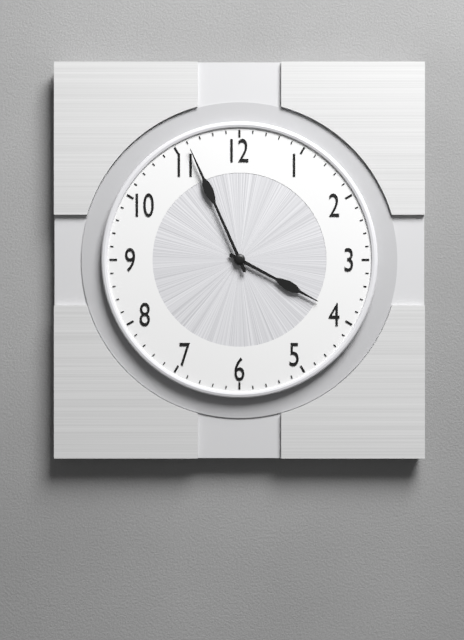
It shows {"hour": 3, "minute": 56}
